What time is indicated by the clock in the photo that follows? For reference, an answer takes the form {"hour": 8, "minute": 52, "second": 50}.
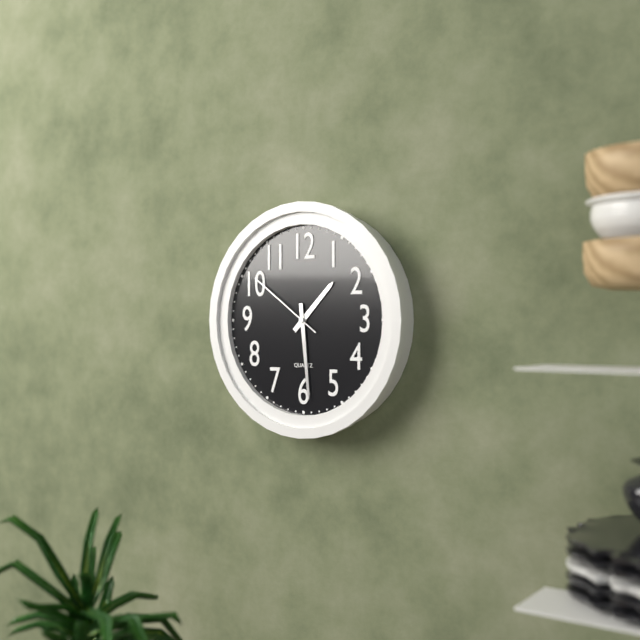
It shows {"hour": 1, "minute": 29, "second": 51}
